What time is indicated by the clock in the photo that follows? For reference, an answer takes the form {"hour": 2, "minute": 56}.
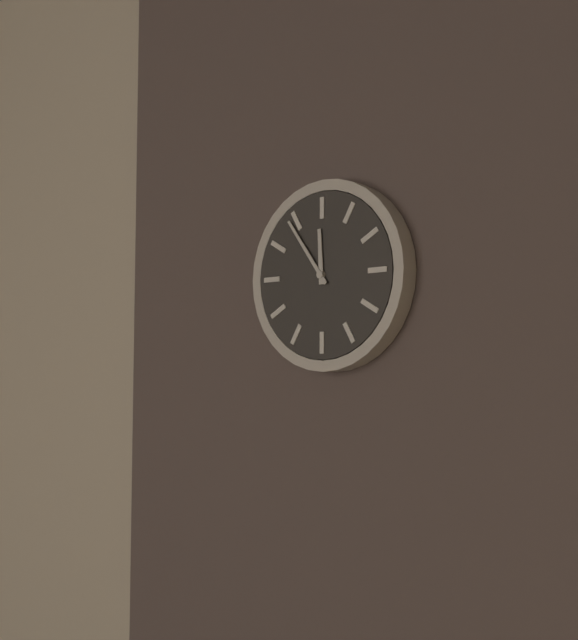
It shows {"hour": 11, "minute": 54}
